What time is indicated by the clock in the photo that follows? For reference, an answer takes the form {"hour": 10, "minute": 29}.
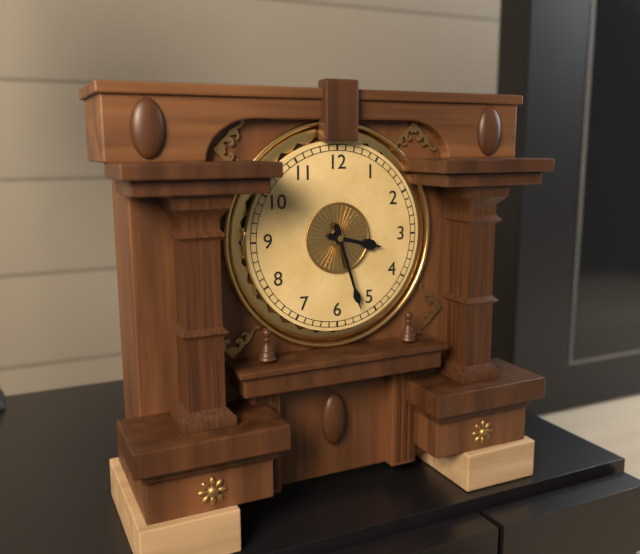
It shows {"hour": 3, "minute": 27}
